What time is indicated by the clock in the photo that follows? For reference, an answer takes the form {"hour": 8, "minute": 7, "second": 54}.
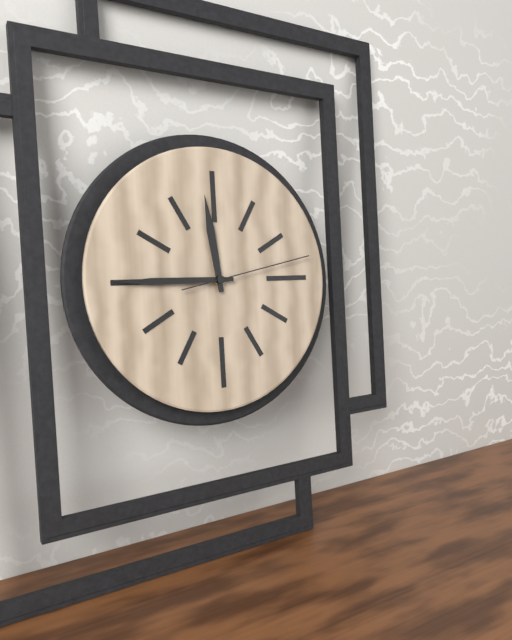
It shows {"hour": 11, "minute": 45, "second": 13}
